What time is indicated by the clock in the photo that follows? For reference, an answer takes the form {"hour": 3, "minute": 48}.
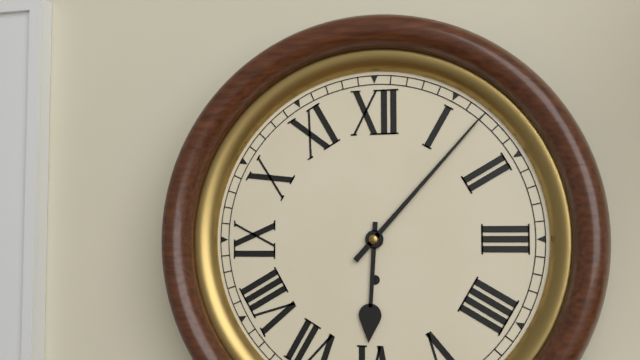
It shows {"hour": 6, "minute": 7}
